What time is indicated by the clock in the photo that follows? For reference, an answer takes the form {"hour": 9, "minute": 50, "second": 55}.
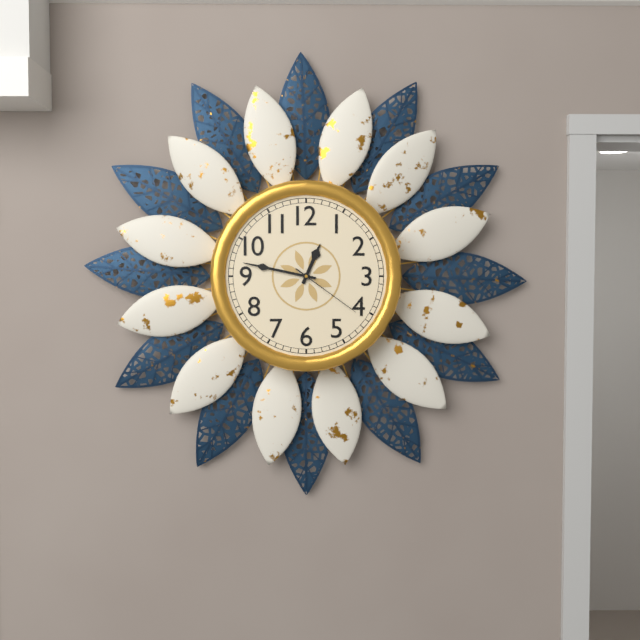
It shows {"hour": 12, "minute": 47, "second": 21}
